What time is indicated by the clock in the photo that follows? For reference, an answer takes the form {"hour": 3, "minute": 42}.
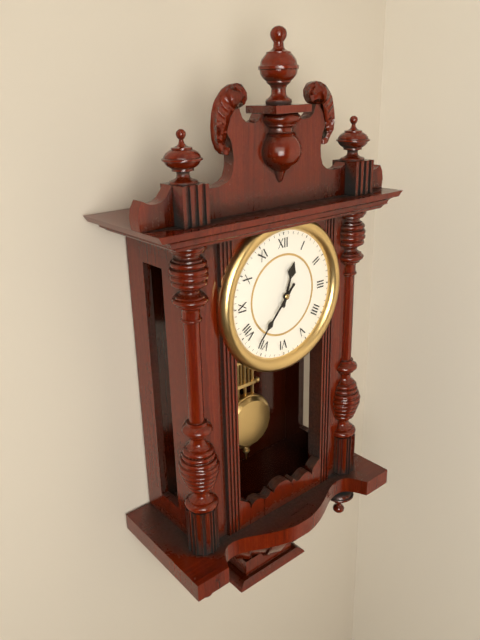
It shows {"hour": 12, "minute": 37}
